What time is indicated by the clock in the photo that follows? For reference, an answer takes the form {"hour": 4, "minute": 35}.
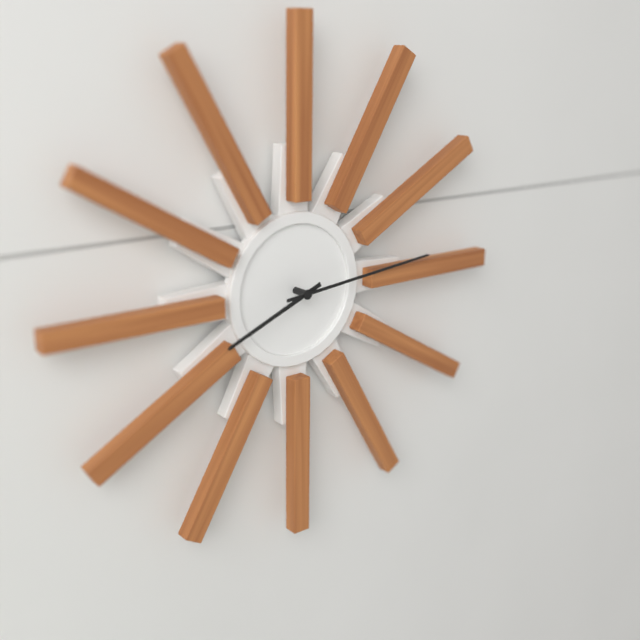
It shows {"hour": 8, "minute": 14}
